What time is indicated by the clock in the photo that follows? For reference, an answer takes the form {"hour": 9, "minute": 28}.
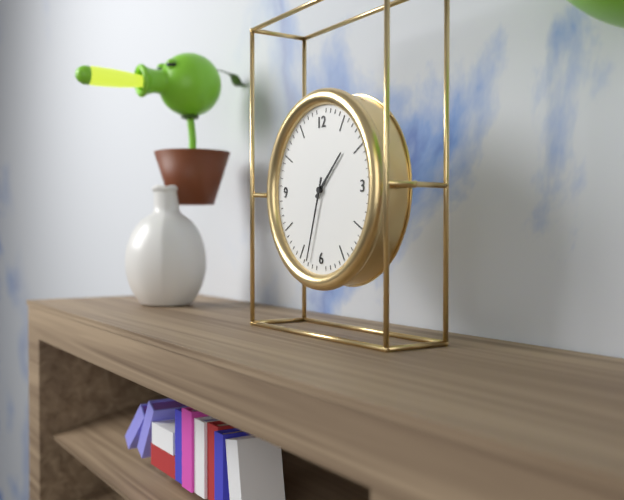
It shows {"hour": 1, "minute": 33}
